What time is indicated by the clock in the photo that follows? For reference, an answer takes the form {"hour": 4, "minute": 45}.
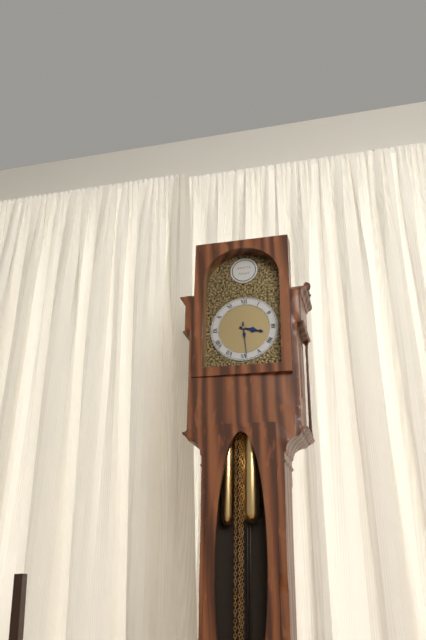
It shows {"hour": 3, "minute": 29}
